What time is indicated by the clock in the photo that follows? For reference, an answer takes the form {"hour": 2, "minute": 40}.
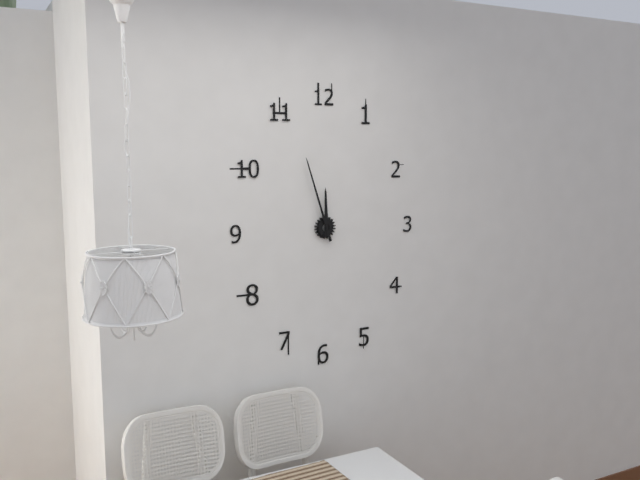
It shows {"hour": 11, "minute": 57}
